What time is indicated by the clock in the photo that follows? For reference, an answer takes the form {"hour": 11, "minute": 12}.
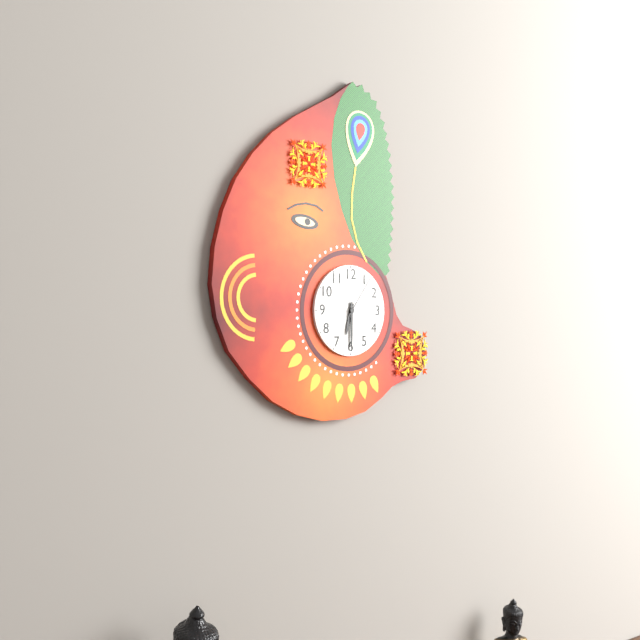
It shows {"hour": 6, "minute": 30}
